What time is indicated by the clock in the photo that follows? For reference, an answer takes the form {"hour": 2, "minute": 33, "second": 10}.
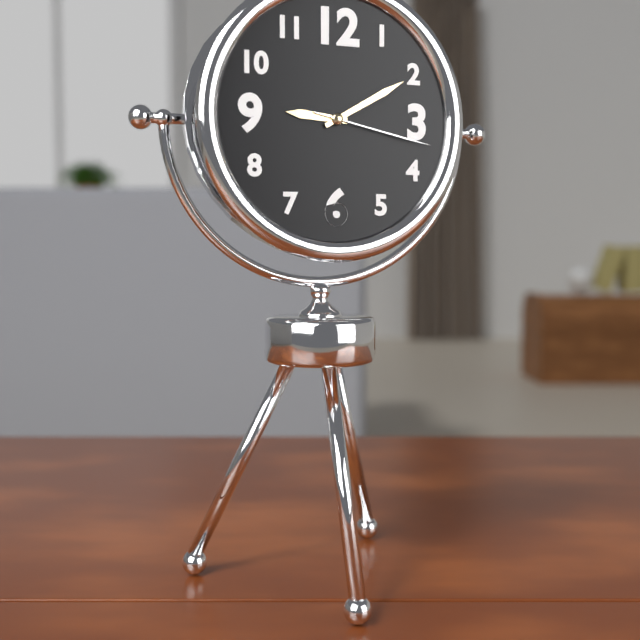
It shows {"hour": 9, "minute": 10, "second": 17}
